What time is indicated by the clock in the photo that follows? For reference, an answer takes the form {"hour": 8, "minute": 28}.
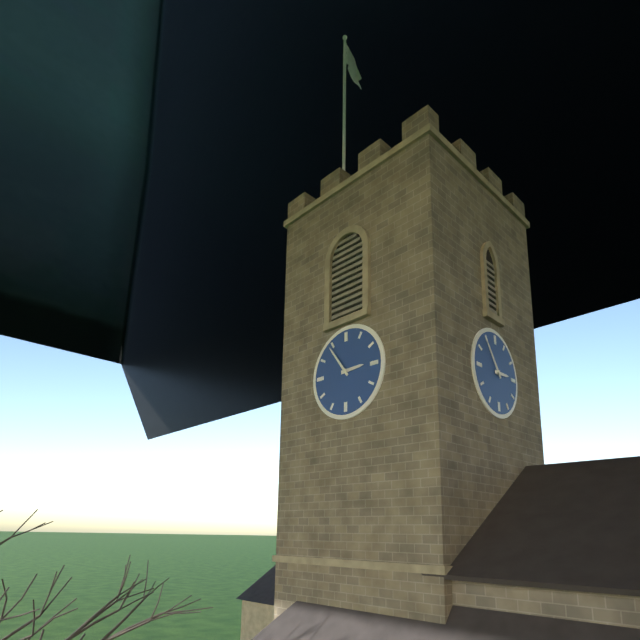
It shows {"hour": 2, "minute": 54}
